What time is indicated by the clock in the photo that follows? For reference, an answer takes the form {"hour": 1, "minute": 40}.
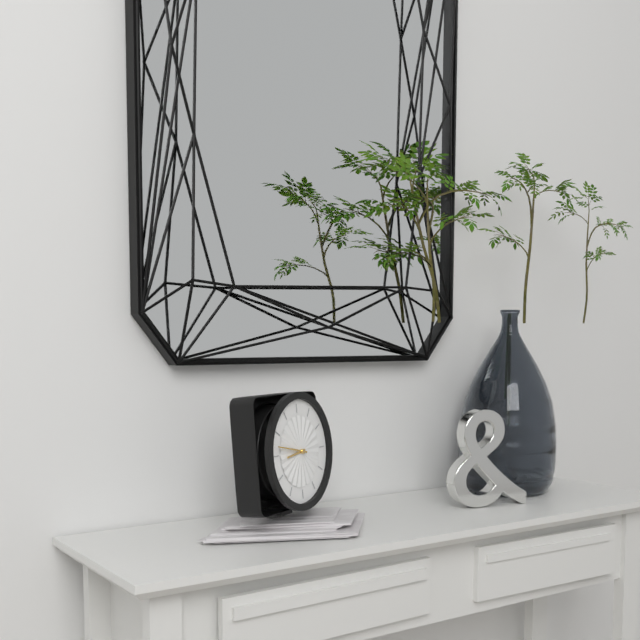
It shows {"hour": 8, "minute": 47}
